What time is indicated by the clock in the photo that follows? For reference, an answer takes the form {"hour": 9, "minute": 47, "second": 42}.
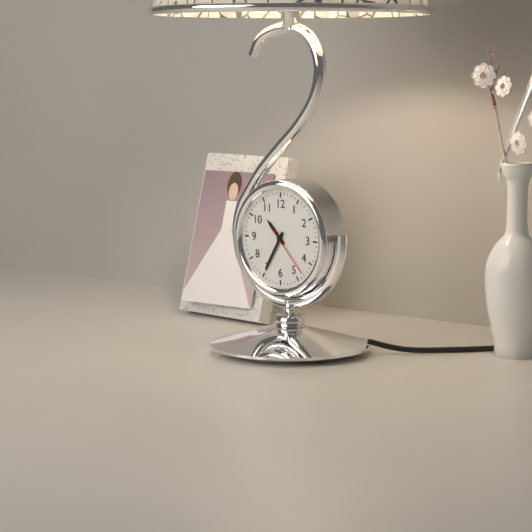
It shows {"hour": 10, "minute": 35, "second": 23}
